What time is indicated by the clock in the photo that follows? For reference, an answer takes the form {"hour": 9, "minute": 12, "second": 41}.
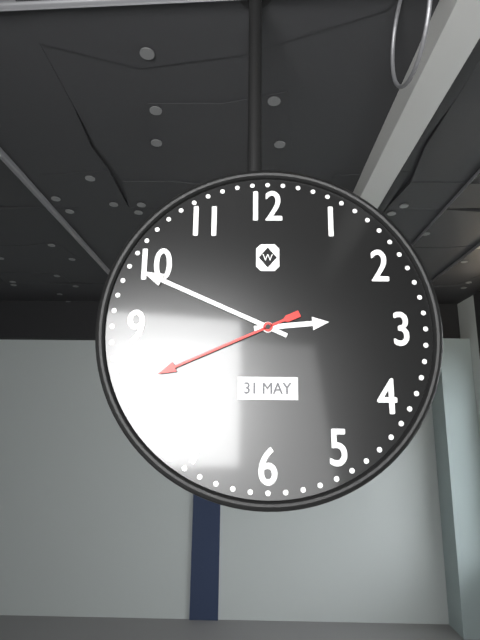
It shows {"hour": 2, "minute": 49, "second": 41}
